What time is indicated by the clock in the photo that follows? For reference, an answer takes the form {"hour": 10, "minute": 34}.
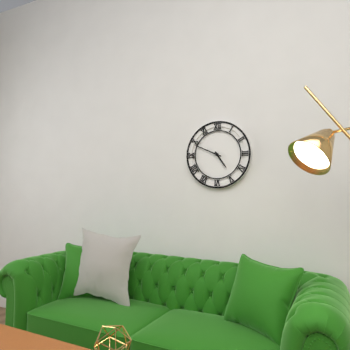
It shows {"hour": 4, "minute": 49}
